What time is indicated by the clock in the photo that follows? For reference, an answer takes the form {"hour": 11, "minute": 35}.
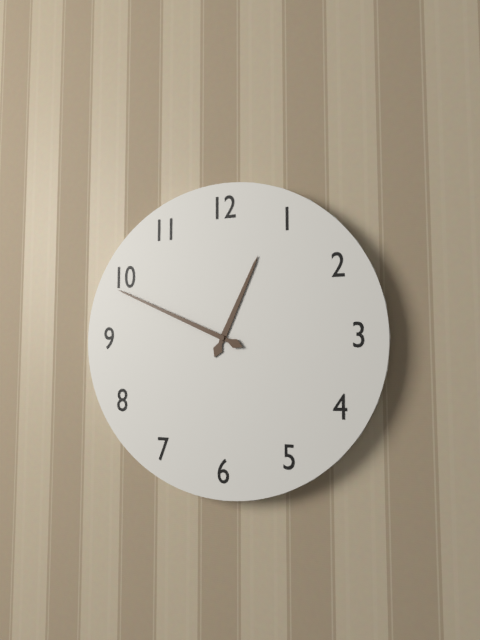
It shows {"hour": 12, "minute": 49}
